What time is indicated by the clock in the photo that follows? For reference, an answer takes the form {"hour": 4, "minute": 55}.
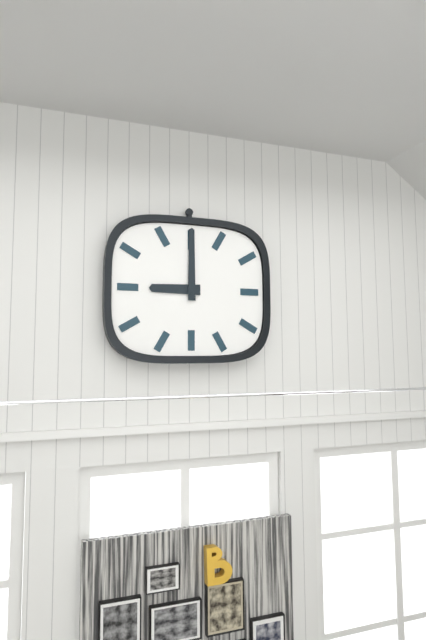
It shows {"hour": 9, "minute": 0}
